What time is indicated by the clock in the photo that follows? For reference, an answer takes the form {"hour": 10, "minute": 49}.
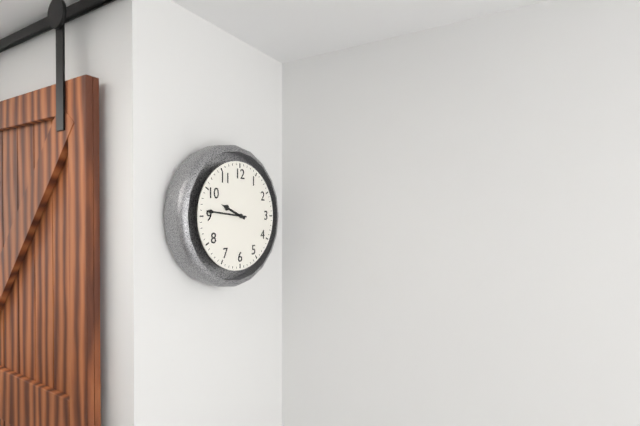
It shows {"hour": 9, "minute": 46}
